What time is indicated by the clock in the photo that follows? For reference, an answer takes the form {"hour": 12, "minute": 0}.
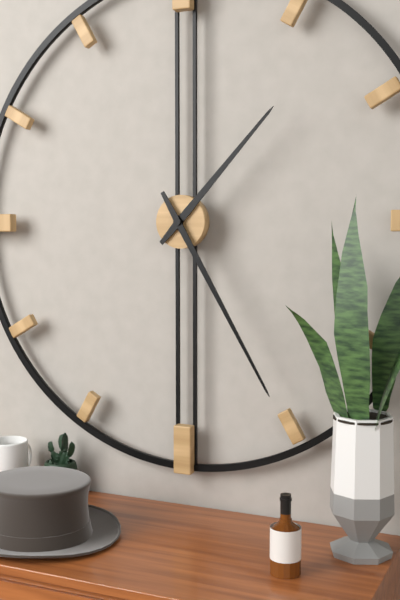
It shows {"hour": 1, "minute": 25}
